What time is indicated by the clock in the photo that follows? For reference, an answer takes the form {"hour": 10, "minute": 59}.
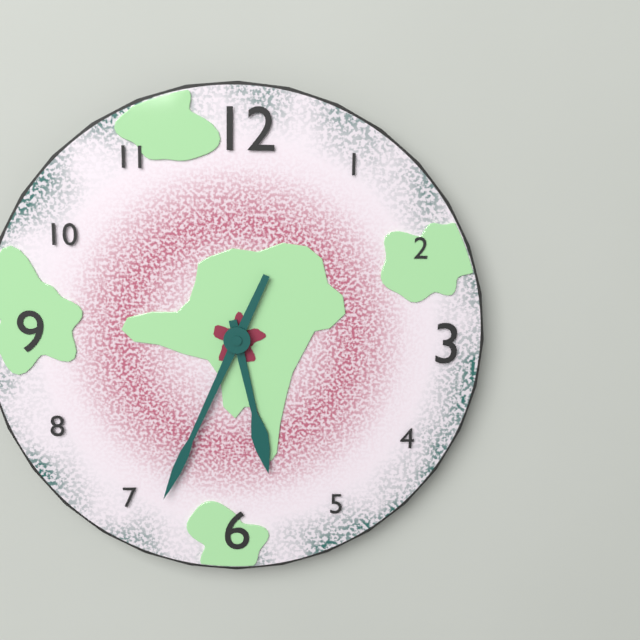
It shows {"hour": 5, "minute": 34}
